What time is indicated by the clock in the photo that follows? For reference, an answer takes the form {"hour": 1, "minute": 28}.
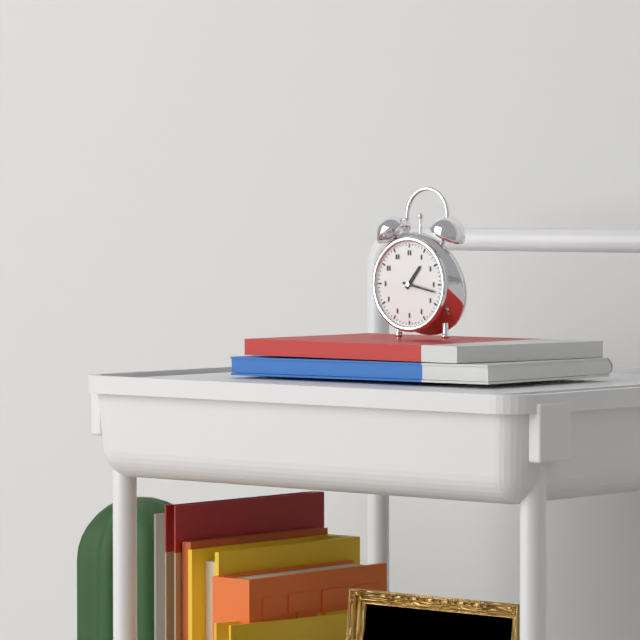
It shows {"hour": 1, "minute": 17}
